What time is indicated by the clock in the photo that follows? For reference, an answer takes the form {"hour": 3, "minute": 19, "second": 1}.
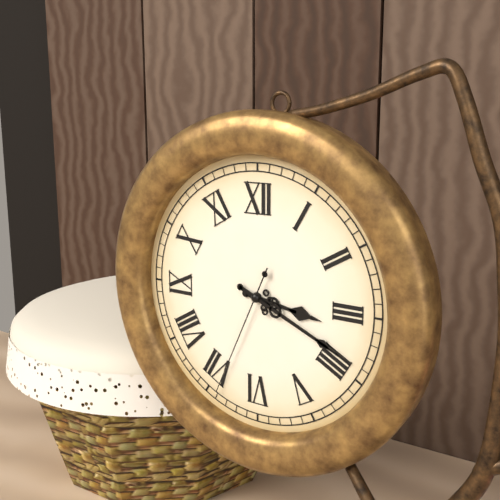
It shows {"hour": 3, "minute": 19, "second": 34}
